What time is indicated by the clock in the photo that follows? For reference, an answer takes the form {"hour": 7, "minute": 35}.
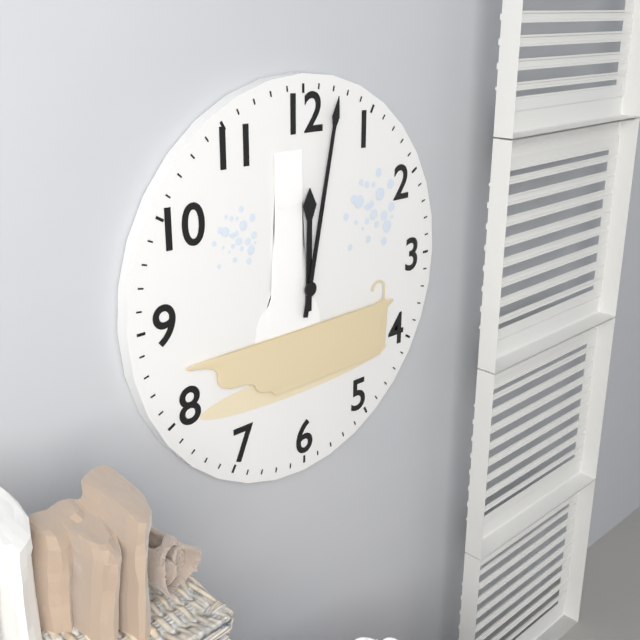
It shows {"hour": 12, "minute": 2}
